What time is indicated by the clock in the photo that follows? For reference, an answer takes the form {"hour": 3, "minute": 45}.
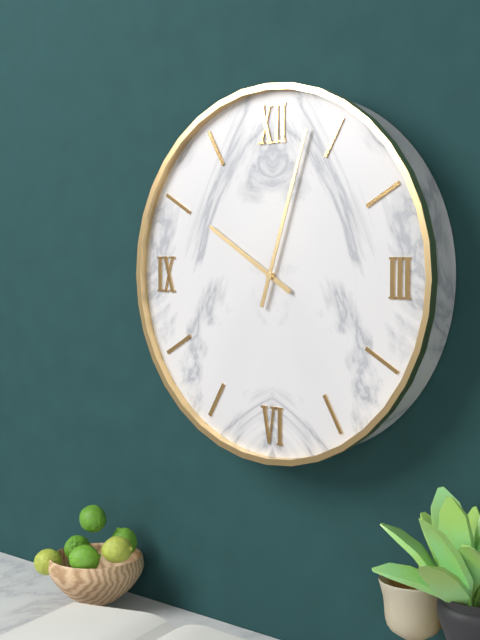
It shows {"hour": 10, "minute": 3}
